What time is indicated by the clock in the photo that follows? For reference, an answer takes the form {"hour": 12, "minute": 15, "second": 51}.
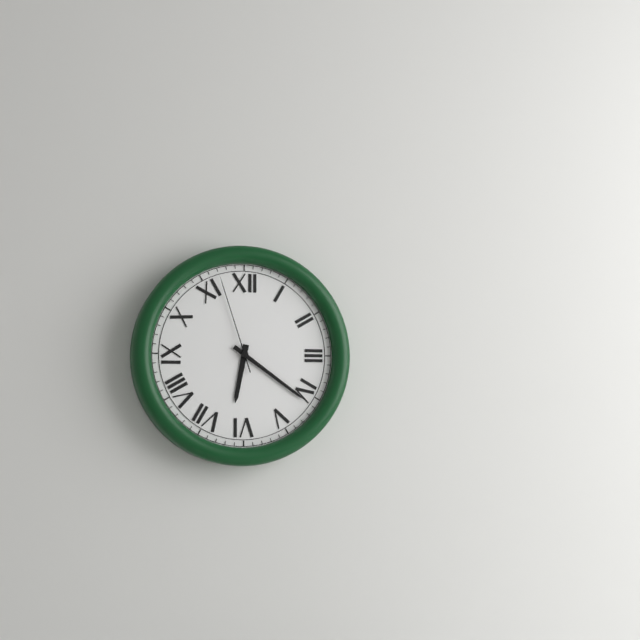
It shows {"hour": 6, "minute": 21, "second": 57}
